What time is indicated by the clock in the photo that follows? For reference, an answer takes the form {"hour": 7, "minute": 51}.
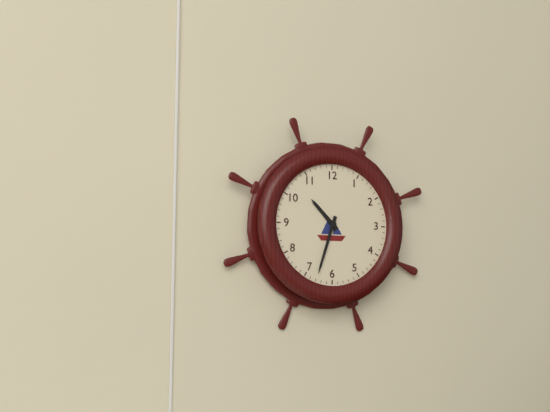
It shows {"hour": 10, "minute": 33}
